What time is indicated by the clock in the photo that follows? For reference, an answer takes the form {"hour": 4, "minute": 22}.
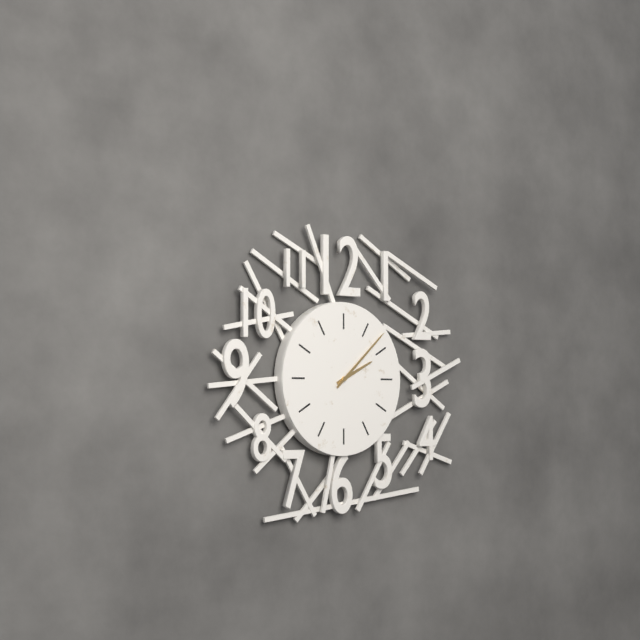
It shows {"hour": 2, "minute": 8}
